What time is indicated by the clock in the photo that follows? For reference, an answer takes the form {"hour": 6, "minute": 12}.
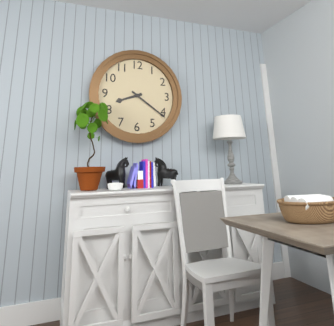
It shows {"hour": 8, "minute": 21}
